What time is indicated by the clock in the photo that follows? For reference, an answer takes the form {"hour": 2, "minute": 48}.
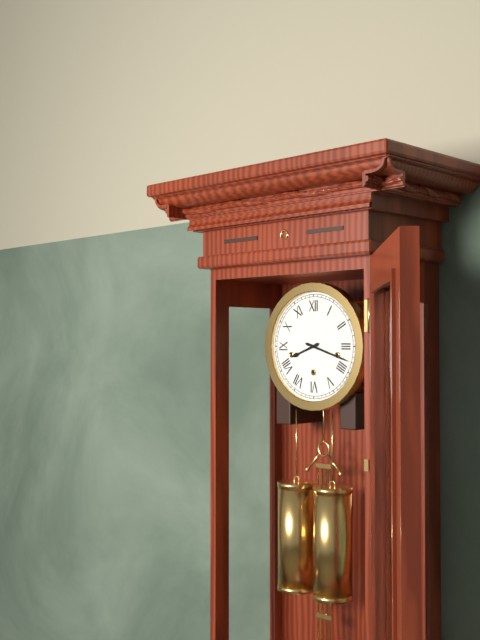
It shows {"hour": 8, "minute": 18}
